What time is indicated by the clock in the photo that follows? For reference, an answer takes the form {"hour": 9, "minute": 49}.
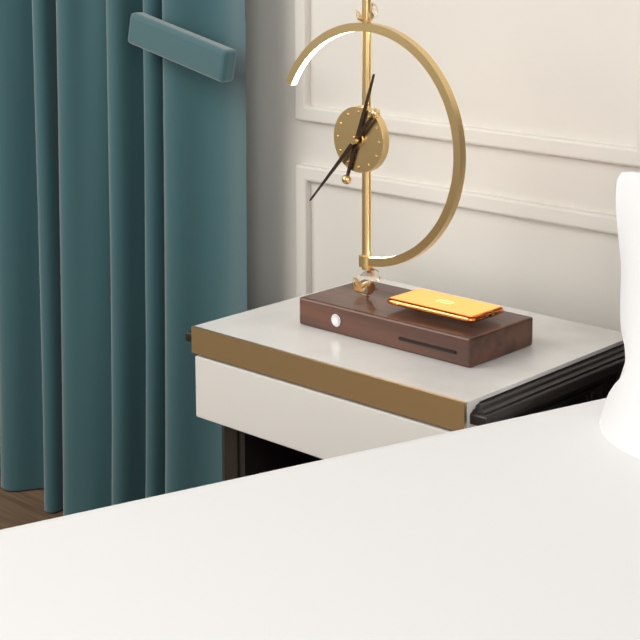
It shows {"hour": 12, "minute": 37}
